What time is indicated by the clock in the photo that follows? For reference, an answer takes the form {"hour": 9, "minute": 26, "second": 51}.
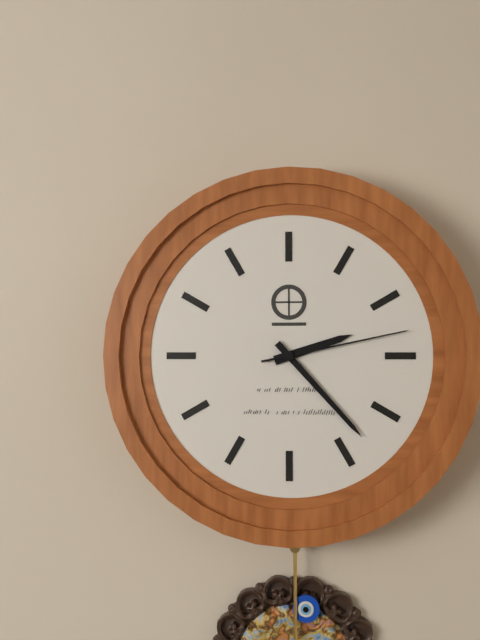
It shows {"hour": 2, "minute": 23, "second": 13}
